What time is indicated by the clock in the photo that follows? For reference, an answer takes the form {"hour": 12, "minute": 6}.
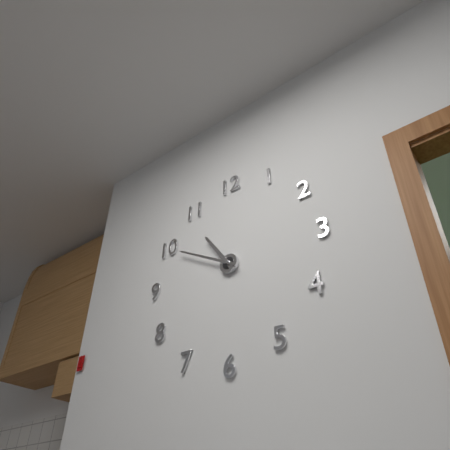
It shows {"hour": 10, "minute": 50}
